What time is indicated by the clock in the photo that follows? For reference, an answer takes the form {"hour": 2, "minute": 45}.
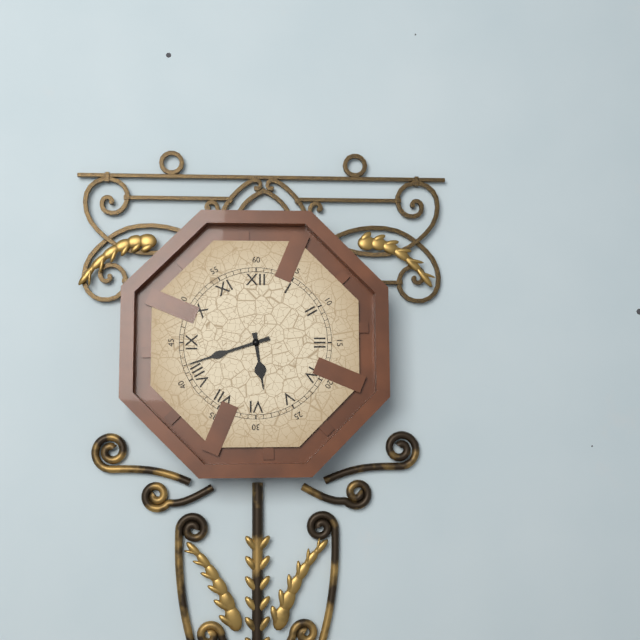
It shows {"hour": 5, "minute": 42}
